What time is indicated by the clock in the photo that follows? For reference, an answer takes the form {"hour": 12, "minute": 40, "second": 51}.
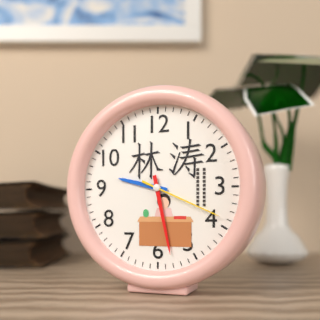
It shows {"hour": 9, "minute": 28, "second": 19}
